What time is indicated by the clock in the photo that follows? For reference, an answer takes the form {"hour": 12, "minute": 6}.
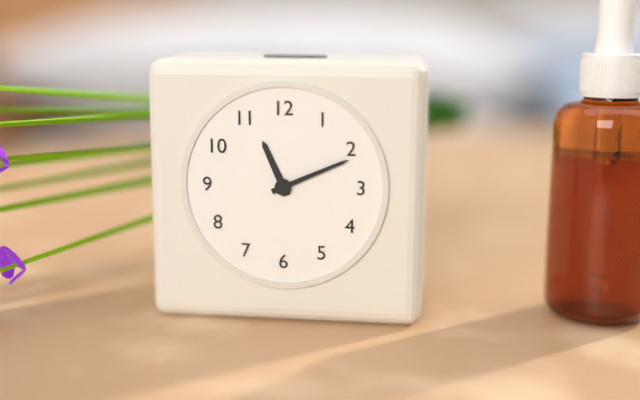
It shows {"hour": 11, "minute": 11}
